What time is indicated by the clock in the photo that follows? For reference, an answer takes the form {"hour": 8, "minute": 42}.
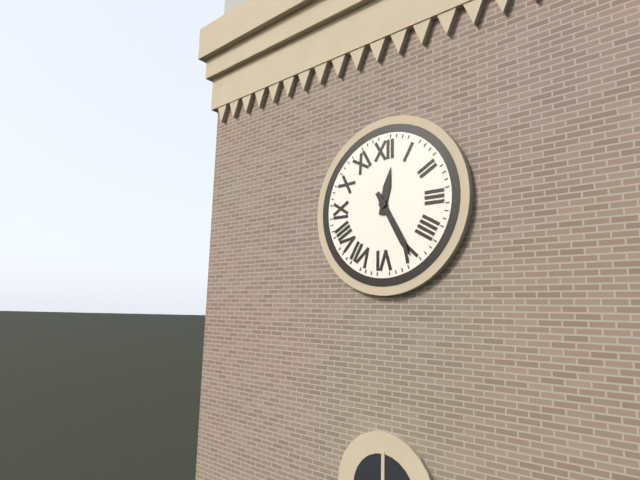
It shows {"hour": 12, "minute": 25}
